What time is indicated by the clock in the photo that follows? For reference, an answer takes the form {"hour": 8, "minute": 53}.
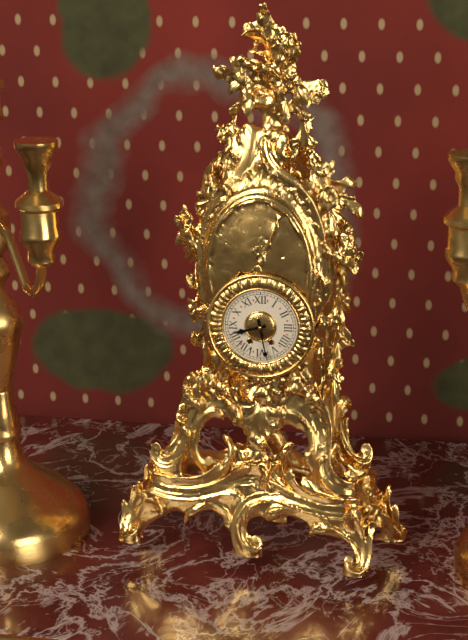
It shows {"hour": 8, "minute": 28}
